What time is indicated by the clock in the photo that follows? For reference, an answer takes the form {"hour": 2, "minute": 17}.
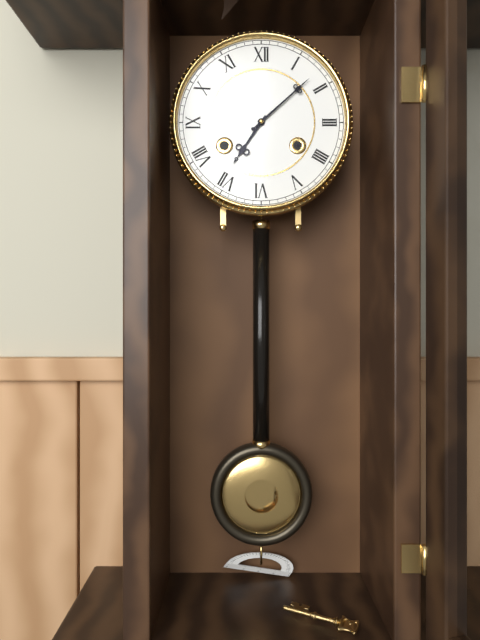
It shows {"hour": 7, "minute": 8}
